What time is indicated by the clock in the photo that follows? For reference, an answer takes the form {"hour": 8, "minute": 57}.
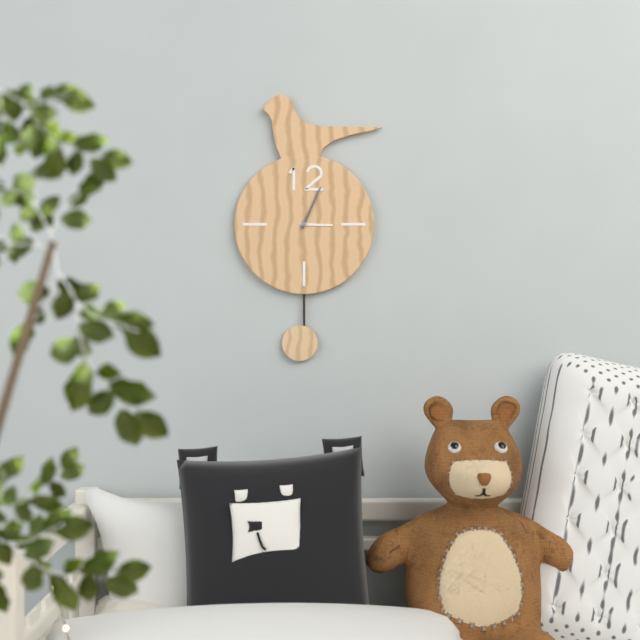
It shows {"hour": 3, "minute": 4}
